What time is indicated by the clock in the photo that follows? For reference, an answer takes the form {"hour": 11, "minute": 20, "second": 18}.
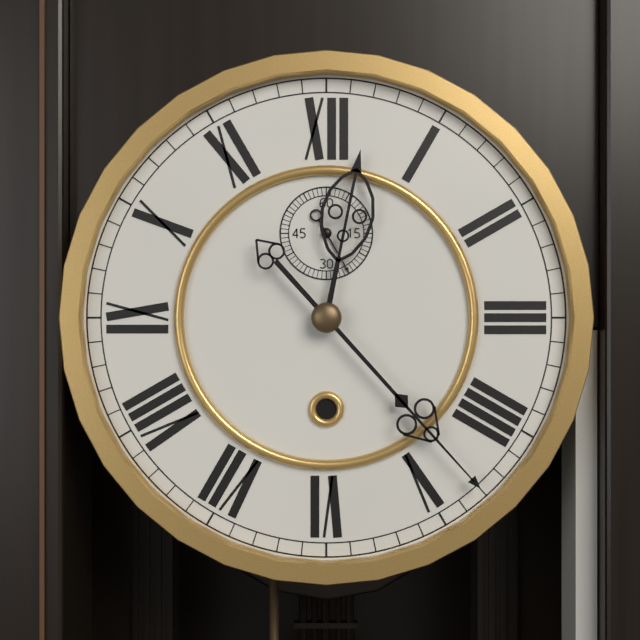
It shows {"hour": 12, "minute": 23, "second": 25}
